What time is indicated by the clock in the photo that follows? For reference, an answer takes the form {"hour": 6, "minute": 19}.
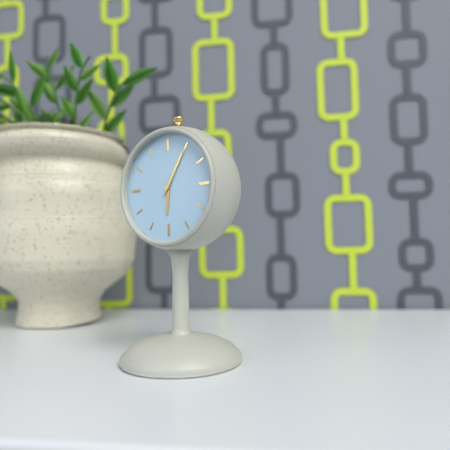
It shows {"hour": 6, "minute": 5}
